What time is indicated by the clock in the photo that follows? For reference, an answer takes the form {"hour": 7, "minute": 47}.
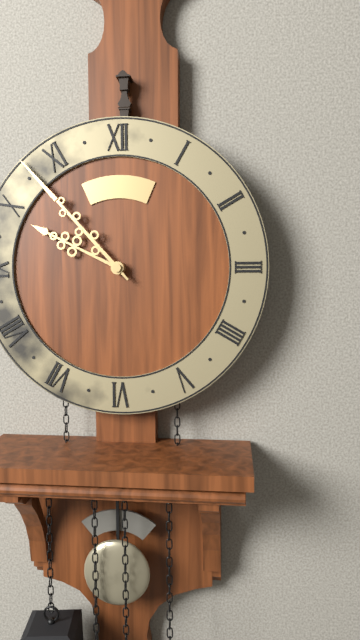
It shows {"hour": 9, "minute": 53}
